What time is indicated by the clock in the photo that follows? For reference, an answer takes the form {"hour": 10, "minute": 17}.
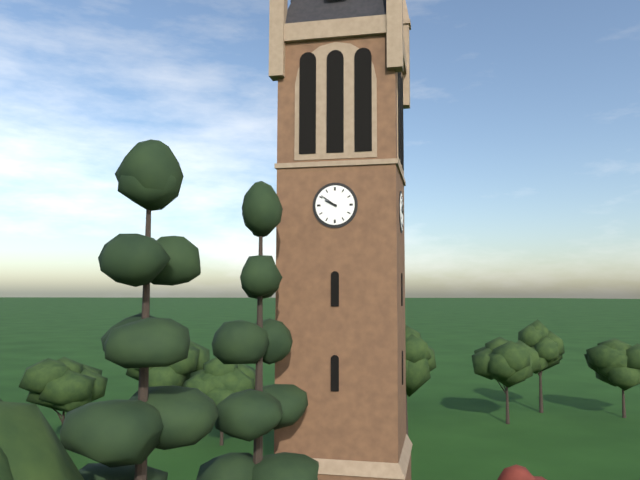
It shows {"hour": 9, "minute": 51}
